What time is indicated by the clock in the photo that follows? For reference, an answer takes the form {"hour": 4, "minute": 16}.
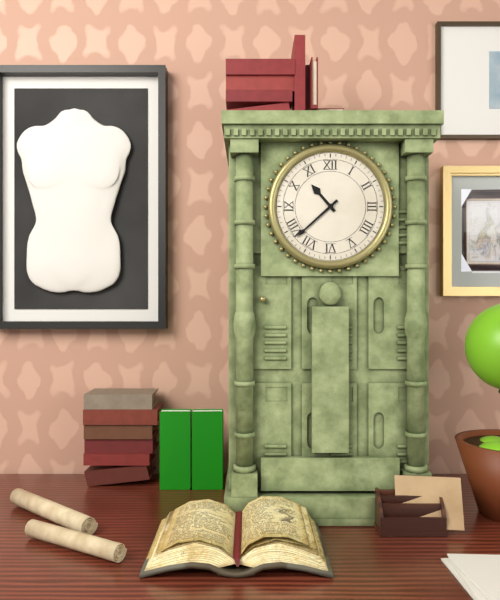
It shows {"hour": 10, "minute": 38}
